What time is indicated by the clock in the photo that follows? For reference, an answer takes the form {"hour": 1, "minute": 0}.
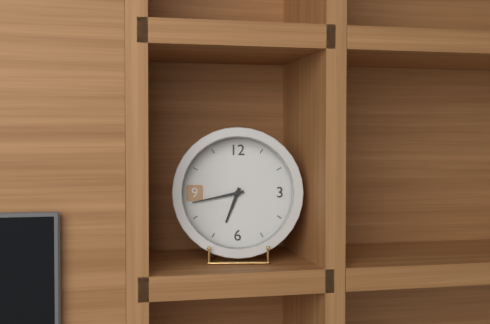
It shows {"hour": 6, "minute": 43}
